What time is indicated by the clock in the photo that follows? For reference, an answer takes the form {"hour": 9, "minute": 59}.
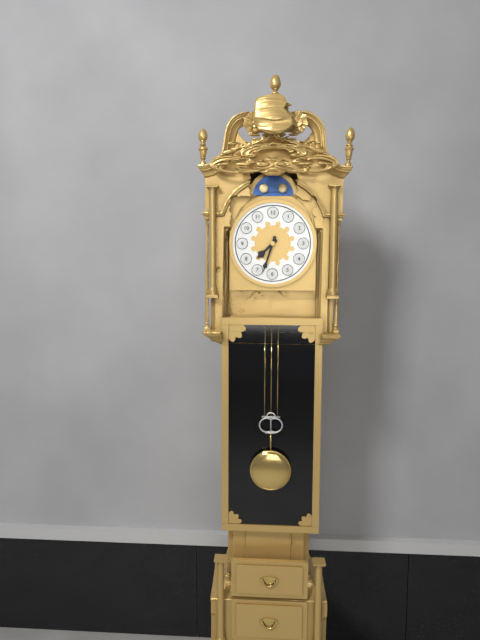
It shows {"hour": 7, "minute": 33}
